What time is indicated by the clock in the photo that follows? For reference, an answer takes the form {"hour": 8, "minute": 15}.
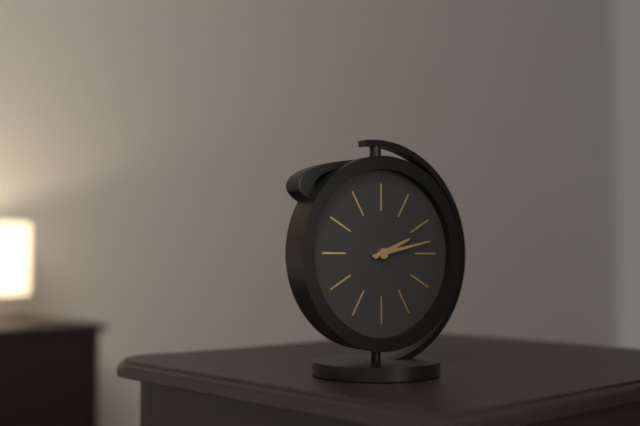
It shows {"hour": 2, "minute": 13}
